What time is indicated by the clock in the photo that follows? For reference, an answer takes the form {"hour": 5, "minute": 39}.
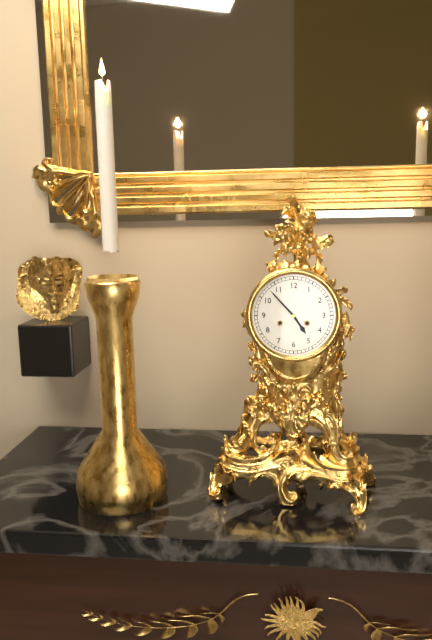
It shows {"hour": 4, "minute": 53}
